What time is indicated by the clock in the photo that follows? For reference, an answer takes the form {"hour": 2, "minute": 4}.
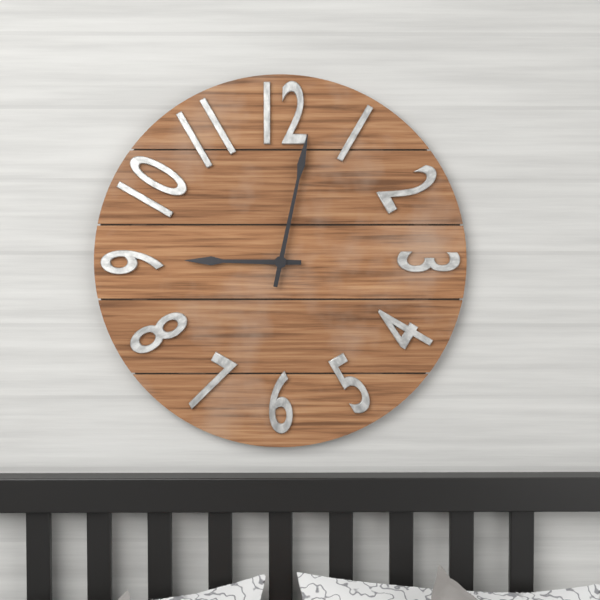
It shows {"hour": 9, "minute": 2}
